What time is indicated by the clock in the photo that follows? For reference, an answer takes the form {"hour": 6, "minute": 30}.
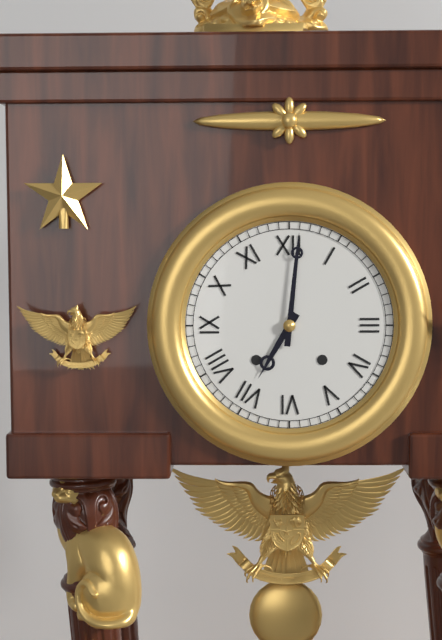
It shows {"hour": 7, "minute": 1}
